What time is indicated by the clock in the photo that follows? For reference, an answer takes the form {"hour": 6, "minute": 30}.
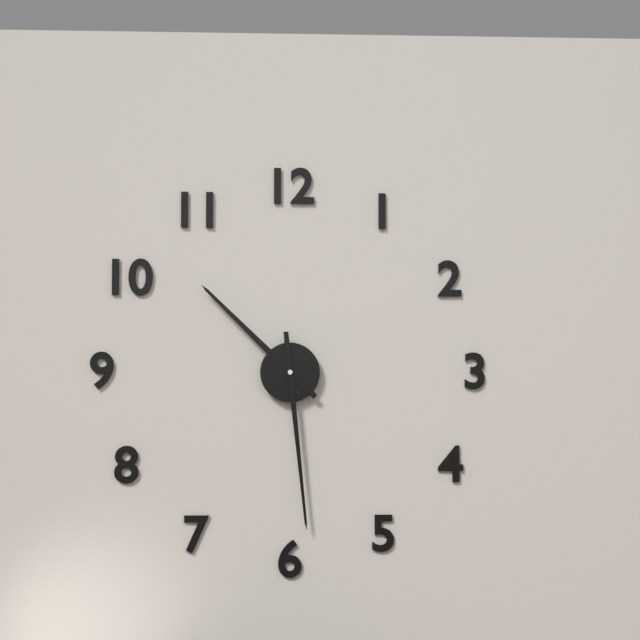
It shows {"hour": 10, "minute": 29}
